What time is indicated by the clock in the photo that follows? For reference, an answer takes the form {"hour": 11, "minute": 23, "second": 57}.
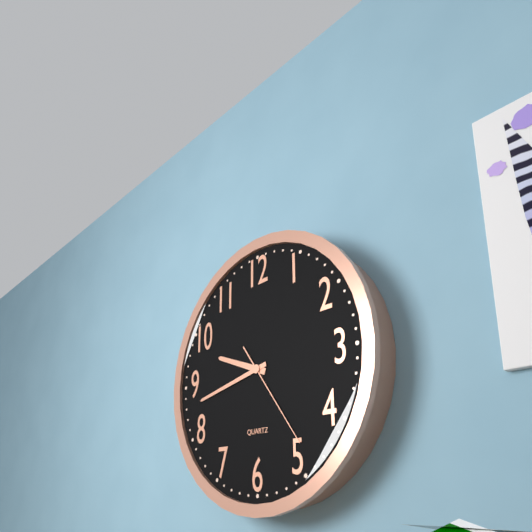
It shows {"hour": 9, "minute": 43, "second": 24}
